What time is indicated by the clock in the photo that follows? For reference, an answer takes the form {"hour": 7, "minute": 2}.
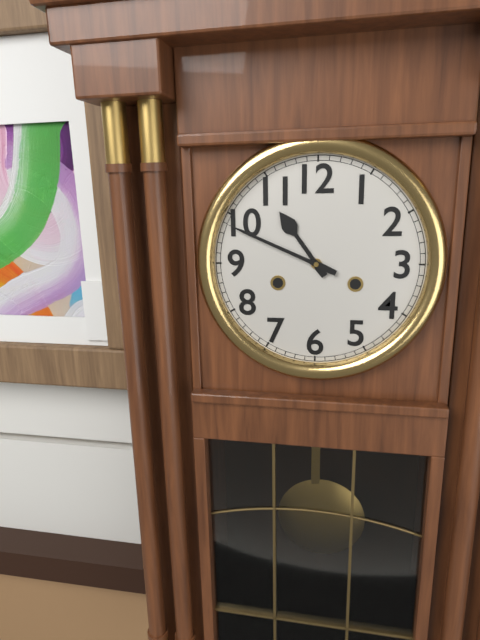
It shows {"hour": 10, "minute": 49}
